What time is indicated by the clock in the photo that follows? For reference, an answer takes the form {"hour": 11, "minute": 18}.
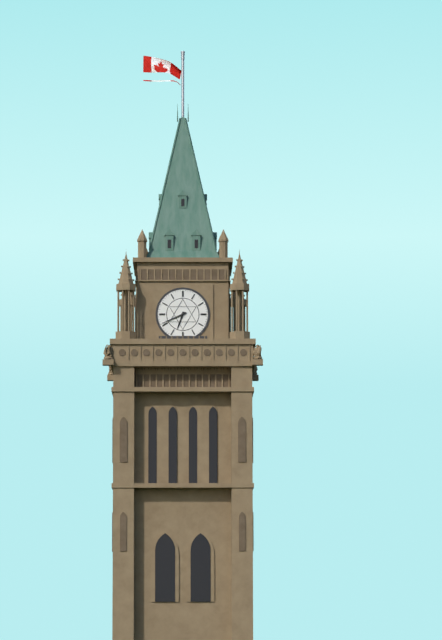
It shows {"hour": 6, "minute": 41}
